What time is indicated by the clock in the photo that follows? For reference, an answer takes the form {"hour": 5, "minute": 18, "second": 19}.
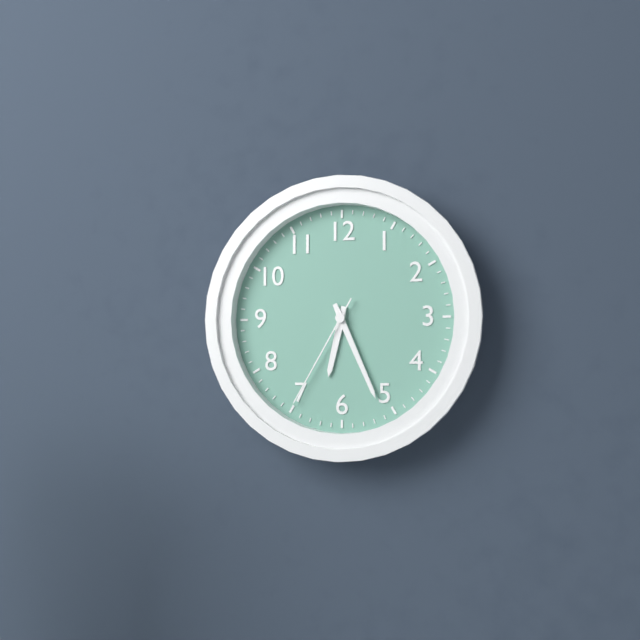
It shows {"hour": 6, "minute": 26, "second": 35}
